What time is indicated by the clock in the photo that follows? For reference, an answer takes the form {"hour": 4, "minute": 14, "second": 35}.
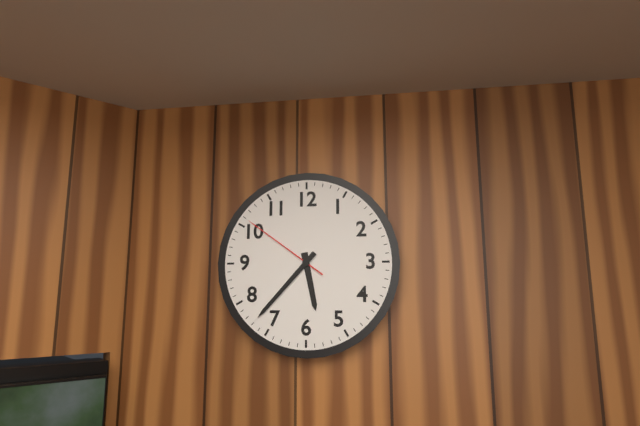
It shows {"hour": 5, "minute": 37, "second": 51}
